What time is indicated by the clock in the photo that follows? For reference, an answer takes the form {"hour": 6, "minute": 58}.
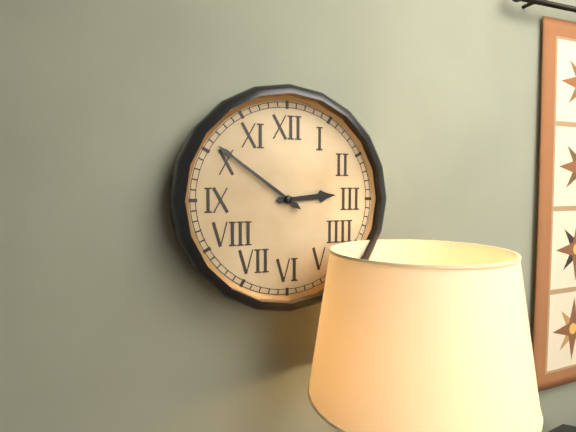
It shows {"hour": 2, "minute": 51}
